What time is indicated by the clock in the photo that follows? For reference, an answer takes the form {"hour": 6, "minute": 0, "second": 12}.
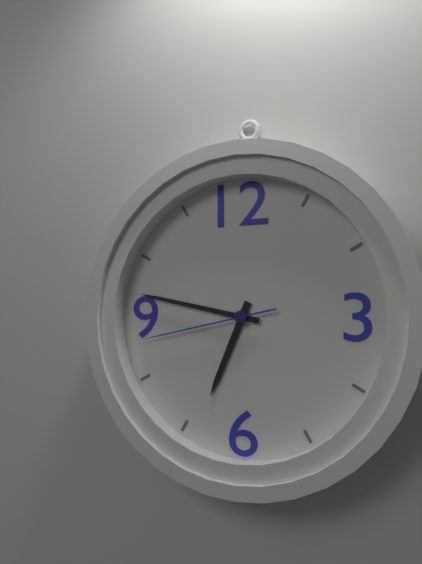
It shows {"hour": 6, "minute": 47, "second": 43}
